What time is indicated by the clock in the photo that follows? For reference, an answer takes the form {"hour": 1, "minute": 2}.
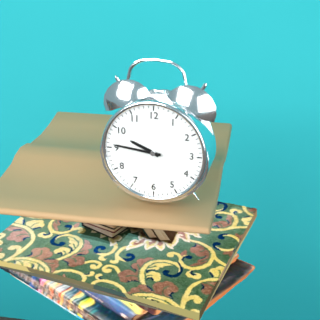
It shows {"hour": 9, "minute": 46}
